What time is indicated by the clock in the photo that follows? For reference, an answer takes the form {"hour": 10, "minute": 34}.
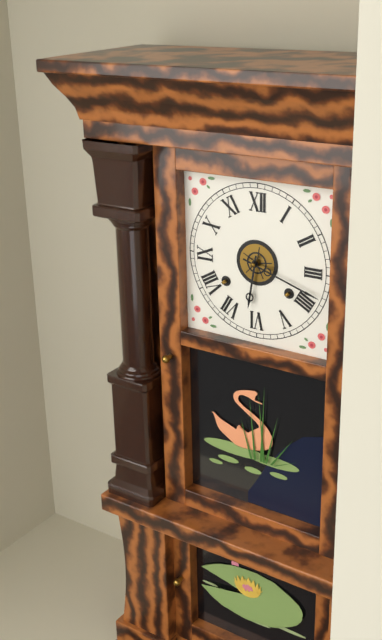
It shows {"hour": 6, "minute": 18}
